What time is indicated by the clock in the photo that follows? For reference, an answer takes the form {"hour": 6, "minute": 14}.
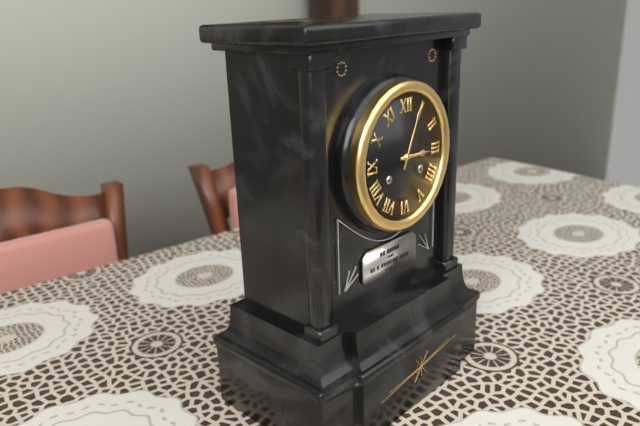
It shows {"hour": 3, "minute": 4}
